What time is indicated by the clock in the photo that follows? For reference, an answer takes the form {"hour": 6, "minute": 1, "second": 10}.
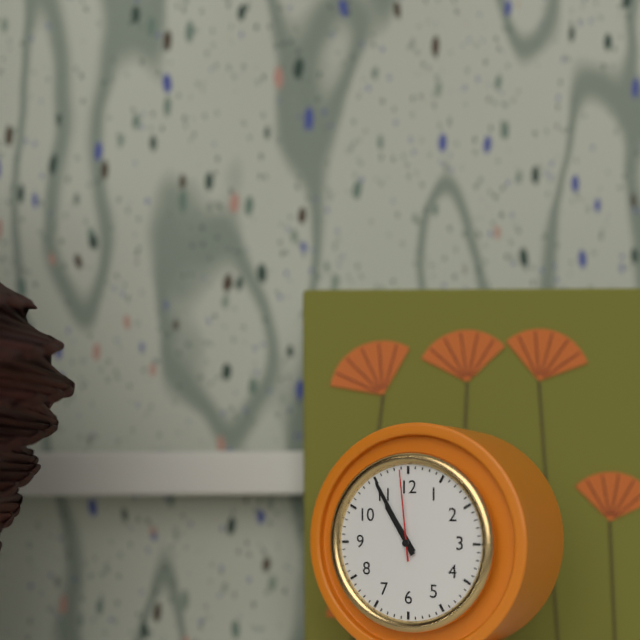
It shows {"hour": 10, "minute": 55, "second": 59}
